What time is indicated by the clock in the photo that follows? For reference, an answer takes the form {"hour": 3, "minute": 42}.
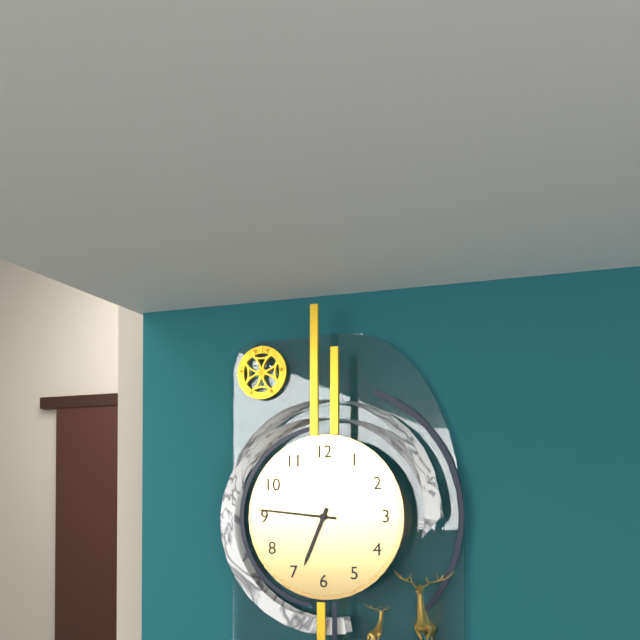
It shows {"hour": 6, "minute": 46}
